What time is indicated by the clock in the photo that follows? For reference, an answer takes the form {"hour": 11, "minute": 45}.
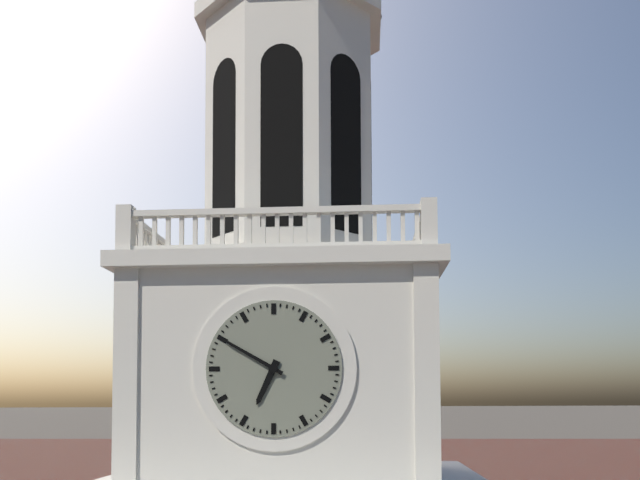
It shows {"hour": 6, "minute": 50}
